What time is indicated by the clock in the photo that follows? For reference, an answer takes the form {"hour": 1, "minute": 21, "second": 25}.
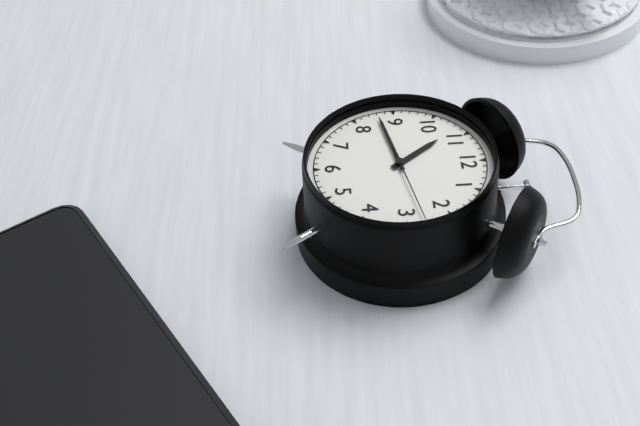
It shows {"hour": 10, "minute": 43, "second": 13}
